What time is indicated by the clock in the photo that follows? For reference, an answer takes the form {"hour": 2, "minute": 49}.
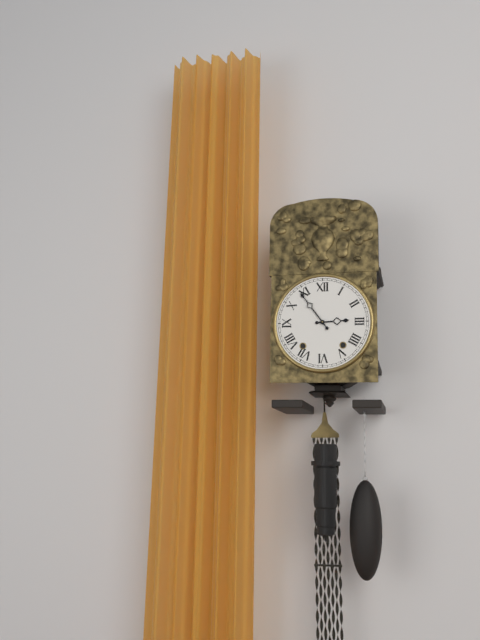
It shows {"hour": 2, "minute": 54}
